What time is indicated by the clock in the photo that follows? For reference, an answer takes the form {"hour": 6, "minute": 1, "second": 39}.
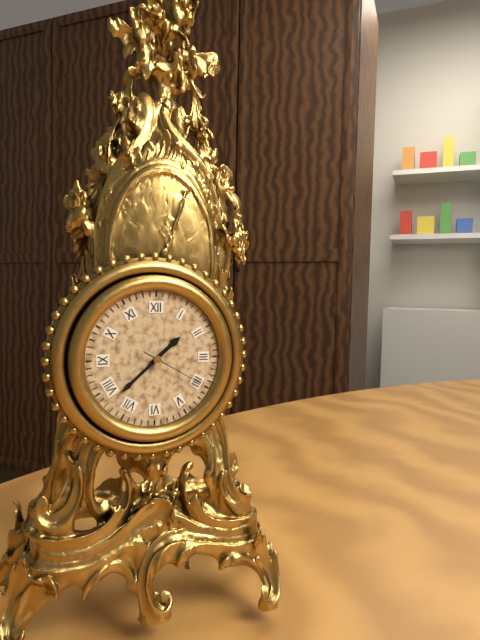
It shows {"hour": 1, "minute": 38, "second": 20}
